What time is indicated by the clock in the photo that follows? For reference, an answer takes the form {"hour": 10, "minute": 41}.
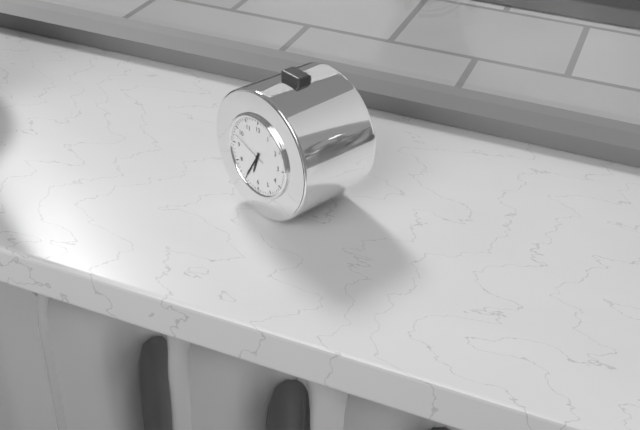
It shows {"hour": 6, "minute": 35}
